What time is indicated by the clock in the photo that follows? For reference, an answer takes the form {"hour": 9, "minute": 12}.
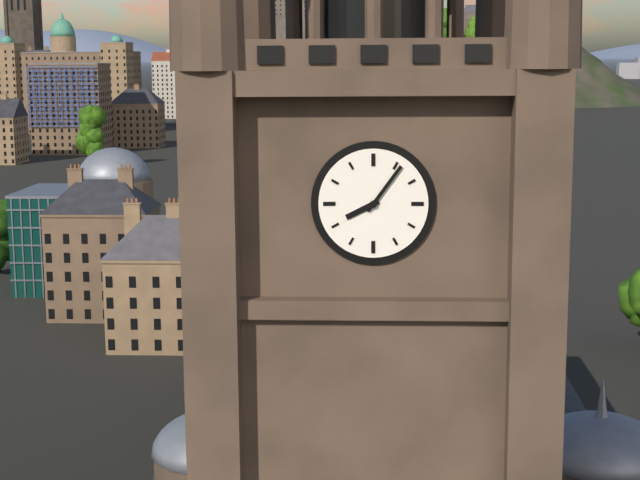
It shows {"hour": 8, "minute": 6}
